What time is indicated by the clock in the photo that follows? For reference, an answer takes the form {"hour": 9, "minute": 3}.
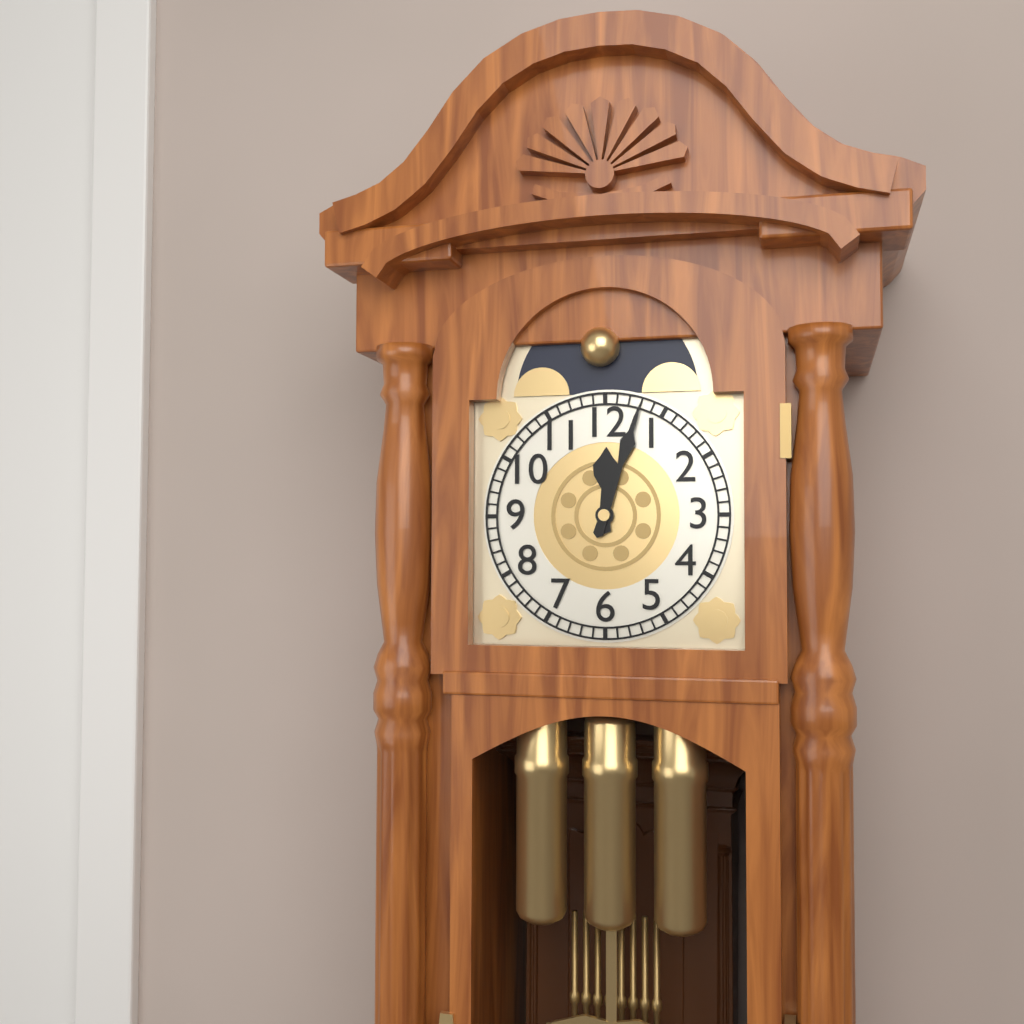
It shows {"hour": 12, "minute": 3}
